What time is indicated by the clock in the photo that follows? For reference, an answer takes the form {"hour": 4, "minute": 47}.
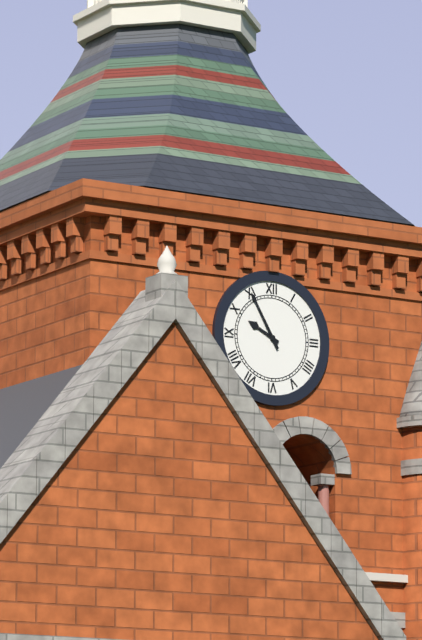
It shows {"hour": 9, "minute": 55}
